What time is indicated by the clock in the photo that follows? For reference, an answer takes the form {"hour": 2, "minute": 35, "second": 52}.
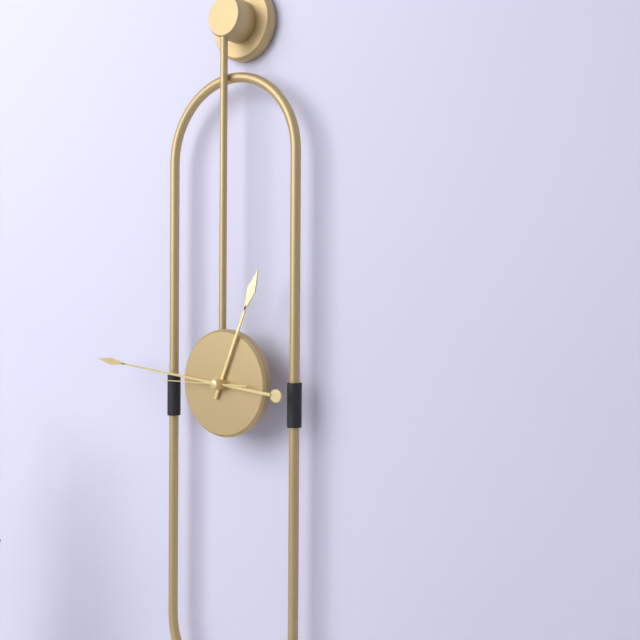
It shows {"hour": 12, "minute": 46, "second": 45}
